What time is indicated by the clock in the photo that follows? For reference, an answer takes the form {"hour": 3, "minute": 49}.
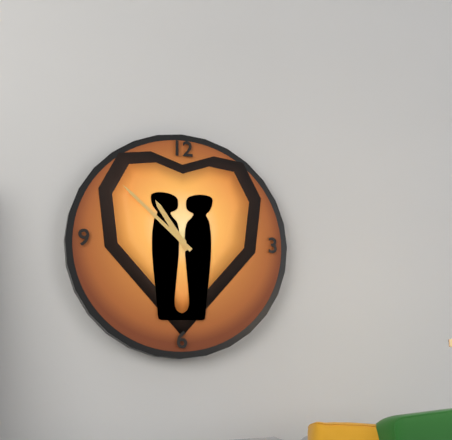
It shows {"hour": 10, "minute": 52}
